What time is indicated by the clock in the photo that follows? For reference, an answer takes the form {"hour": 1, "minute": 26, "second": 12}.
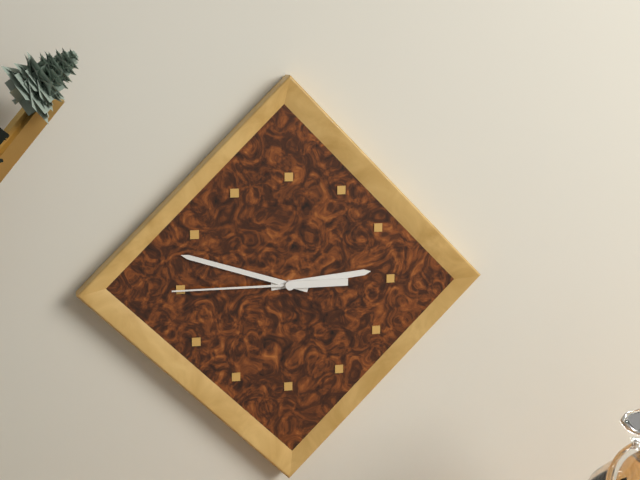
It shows {"hour": 2, "minute": 48, "second": 45}
